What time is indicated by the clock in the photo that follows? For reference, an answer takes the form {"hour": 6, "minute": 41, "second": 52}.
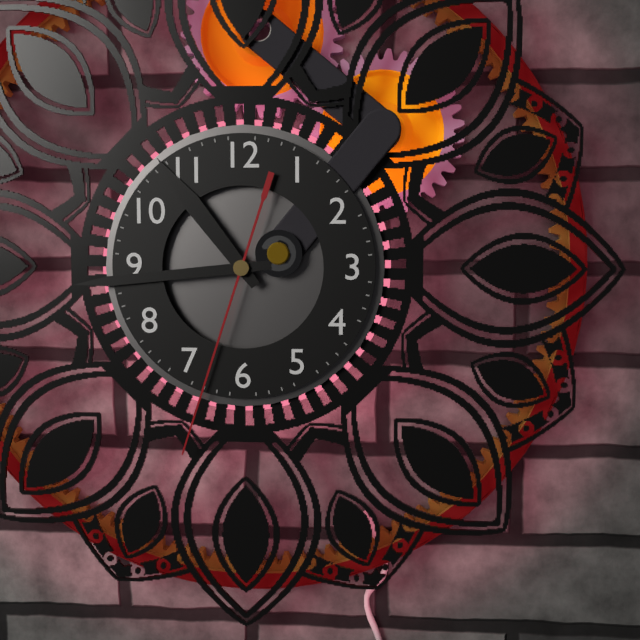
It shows {"hour": 10, "minute": 44, "second": 33}
